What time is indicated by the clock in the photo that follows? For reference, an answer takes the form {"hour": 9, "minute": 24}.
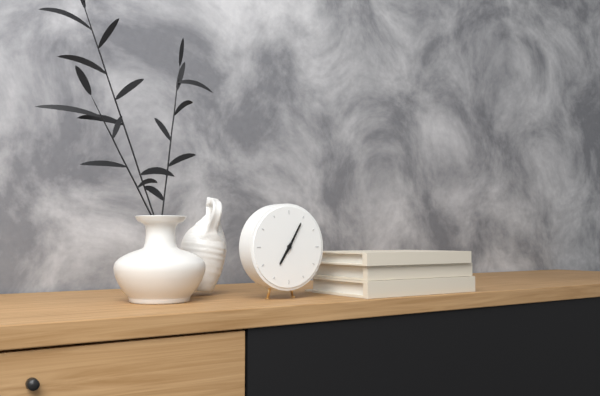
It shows {"hour": 7, "minute": 5}
